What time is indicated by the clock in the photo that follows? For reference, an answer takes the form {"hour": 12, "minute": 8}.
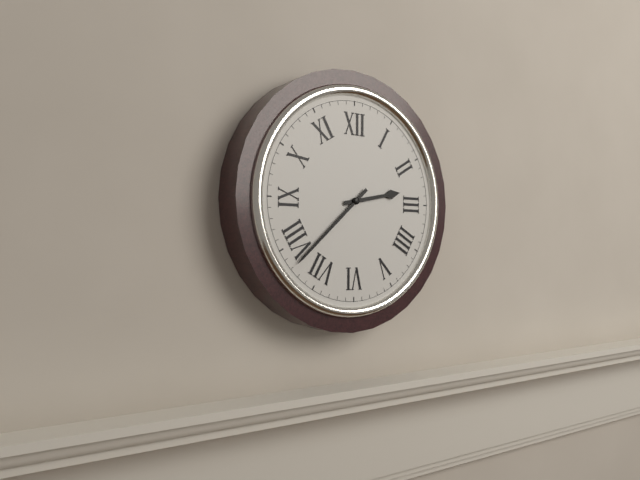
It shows {"hour": 2, "minute": 38}
